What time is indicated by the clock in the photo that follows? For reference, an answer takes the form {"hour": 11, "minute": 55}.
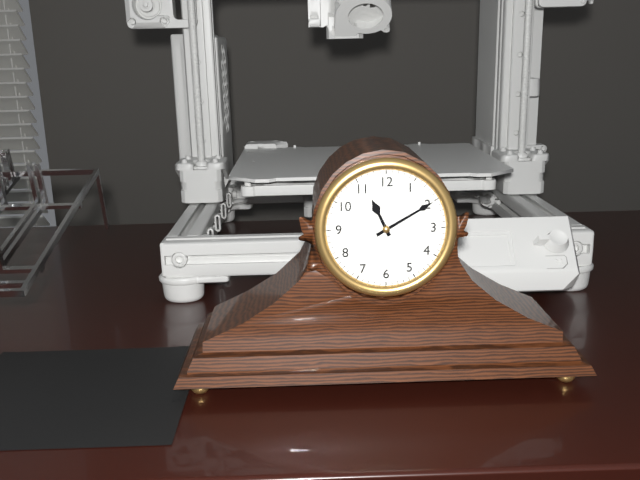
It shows {"hour": 11, "minute": 10}
